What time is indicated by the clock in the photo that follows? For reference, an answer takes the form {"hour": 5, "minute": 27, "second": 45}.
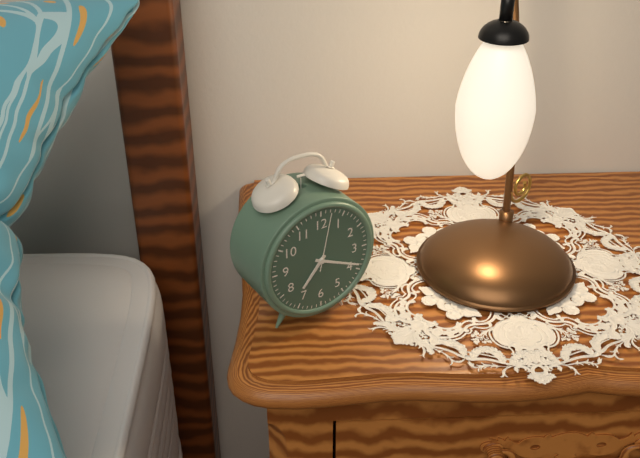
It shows {"hour": 7, "minute": 19, "second": 2}
